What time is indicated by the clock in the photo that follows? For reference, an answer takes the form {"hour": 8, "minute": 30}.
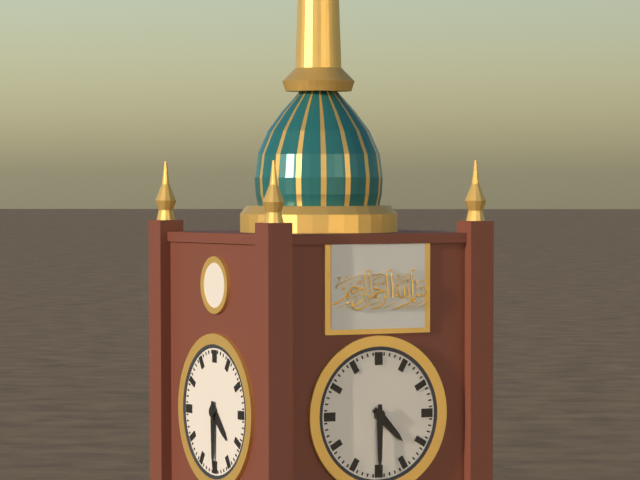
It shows {"hour": 4, "minute": 30}
